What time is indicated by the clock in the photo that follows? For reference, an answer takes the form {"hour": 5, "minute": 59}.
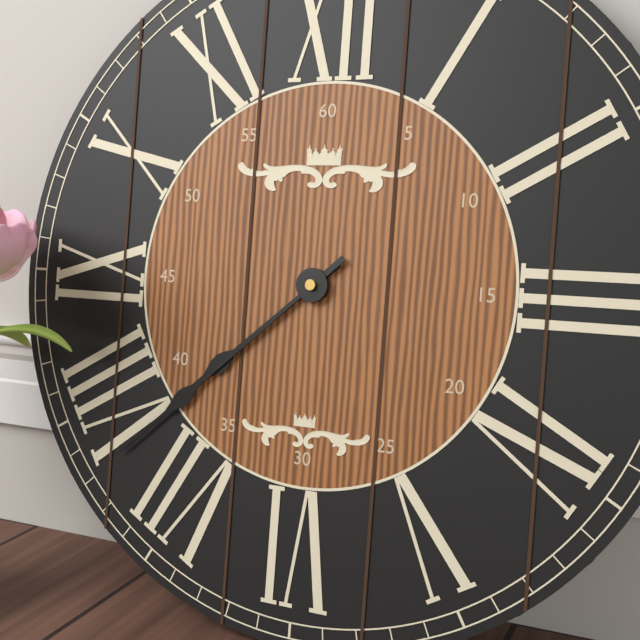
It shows {"hour": 7, "minute": 38}
